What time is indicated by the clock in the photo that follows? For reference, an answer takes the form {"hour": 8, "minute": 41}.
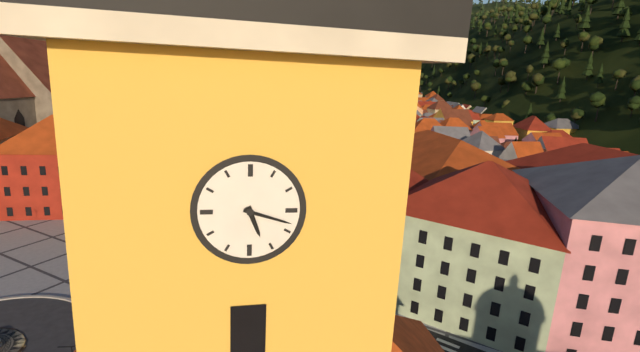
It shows {"hour": 5, "minute": 18}
